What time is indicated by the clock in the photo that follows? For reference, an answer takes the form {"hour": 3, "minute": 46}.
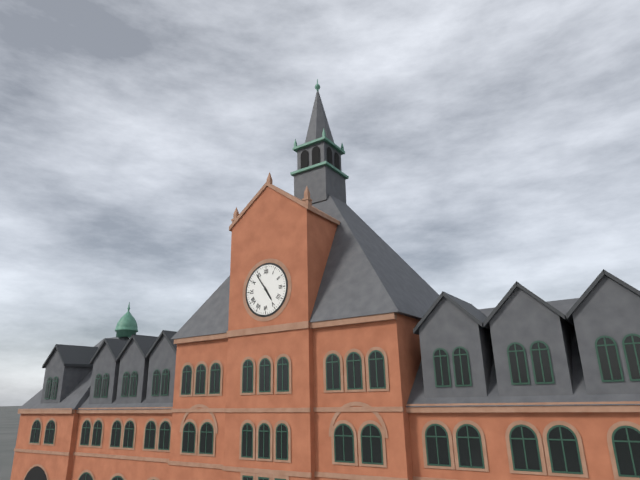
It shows {"hour": 4, "minute": 54}
